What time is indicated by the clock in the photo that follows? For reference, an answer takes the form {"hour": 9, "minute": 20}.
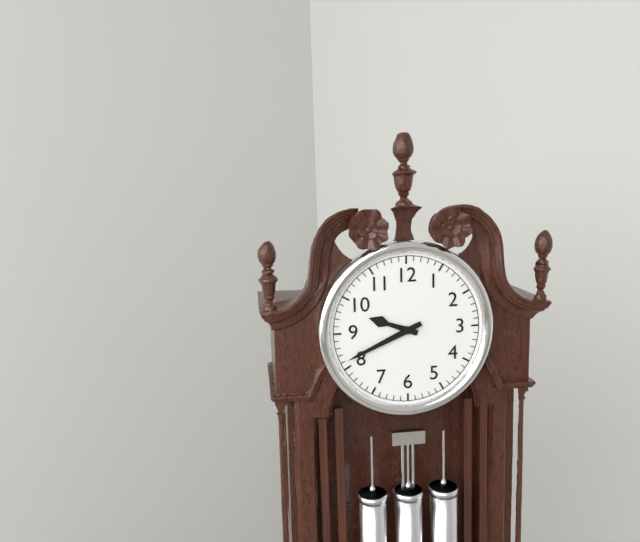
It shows {"hour": 9, "minute": 41}
